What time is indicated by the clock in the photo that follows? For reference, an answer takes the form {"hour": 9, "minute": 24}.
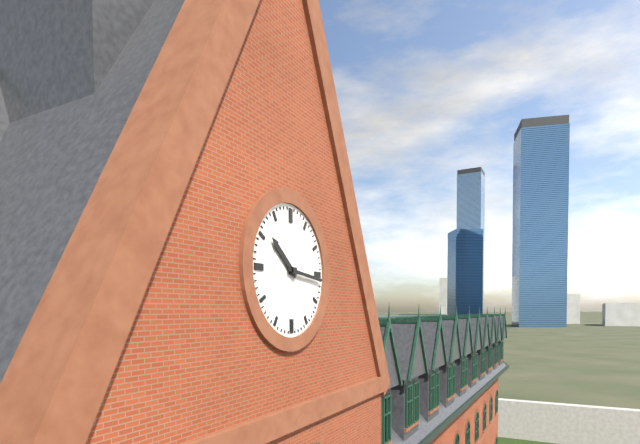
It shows {"hour": 10, "minute": 16}
